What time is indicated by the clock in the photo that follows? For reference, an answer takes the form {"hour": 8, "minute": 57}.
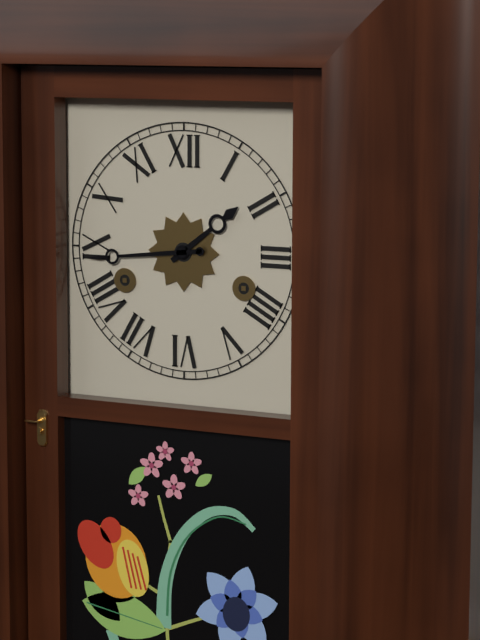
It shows {"hour": 1, "minute": 44}
